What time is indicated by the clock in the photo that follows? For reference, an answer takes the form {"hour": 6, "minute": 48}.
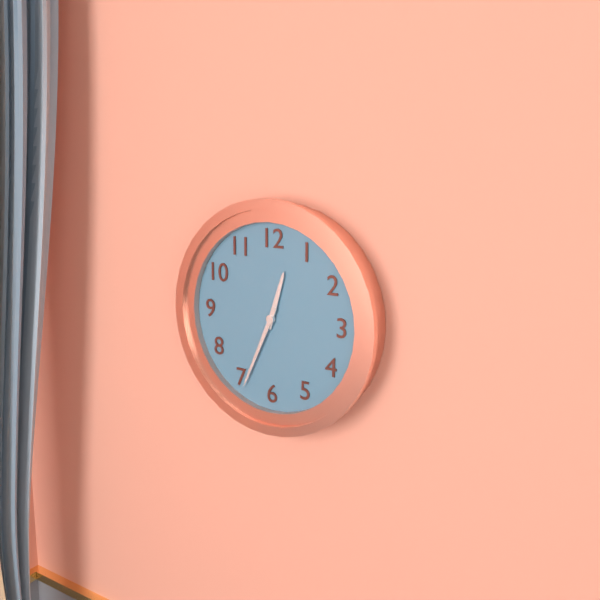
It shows {"hour": 12, "minute": 34}
